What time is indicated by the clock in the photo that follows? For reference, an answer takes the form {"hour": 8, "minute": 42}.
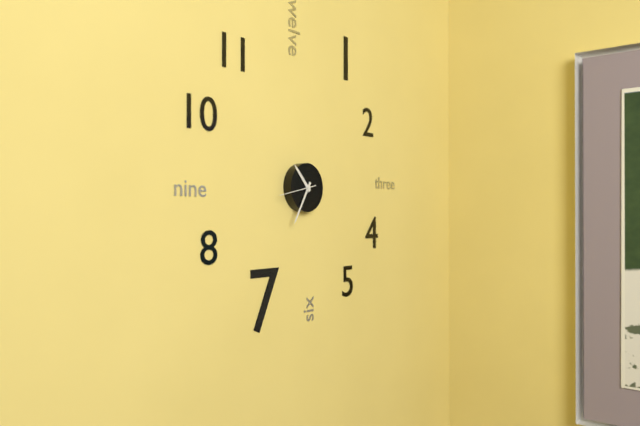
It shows {"hour": 10, "minute": 35}
